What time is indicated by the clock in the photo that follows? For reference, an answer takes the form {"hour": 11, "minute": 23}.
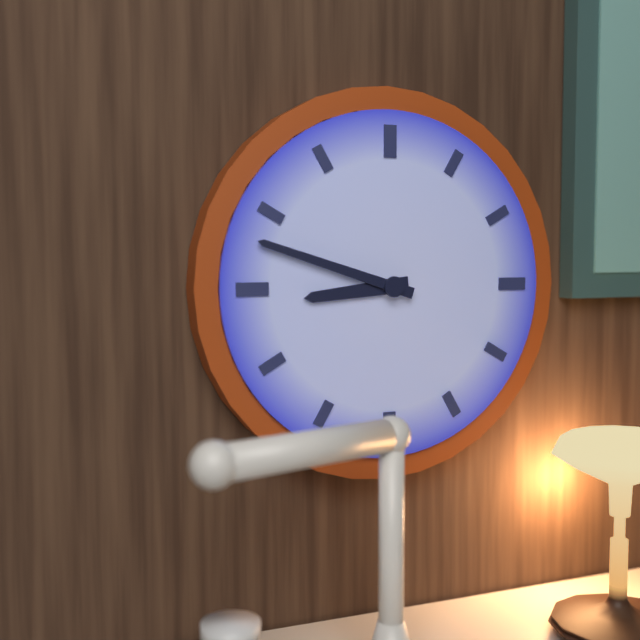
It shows {"hour": 8, "minute": 48}
